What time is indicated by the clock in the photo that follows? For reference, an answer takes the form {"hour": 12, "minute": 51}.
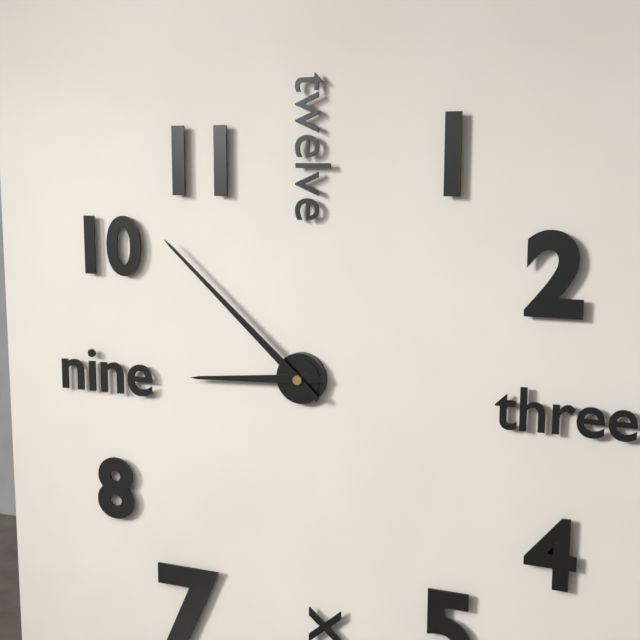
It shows {"hour": 8, "minute": 52}
